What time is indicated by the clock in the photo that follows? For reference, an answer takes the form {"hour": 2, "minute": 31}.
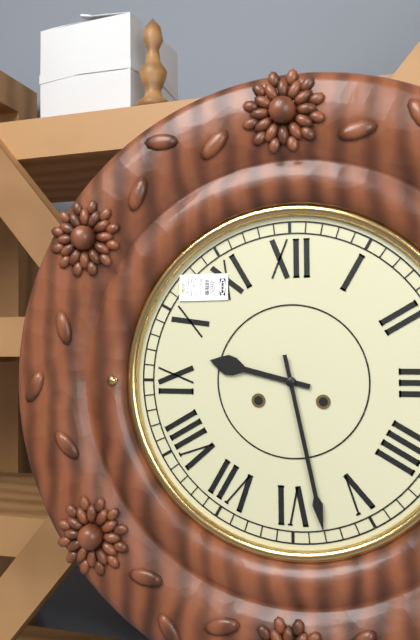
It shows {"hour": 9, "minute": 28}
